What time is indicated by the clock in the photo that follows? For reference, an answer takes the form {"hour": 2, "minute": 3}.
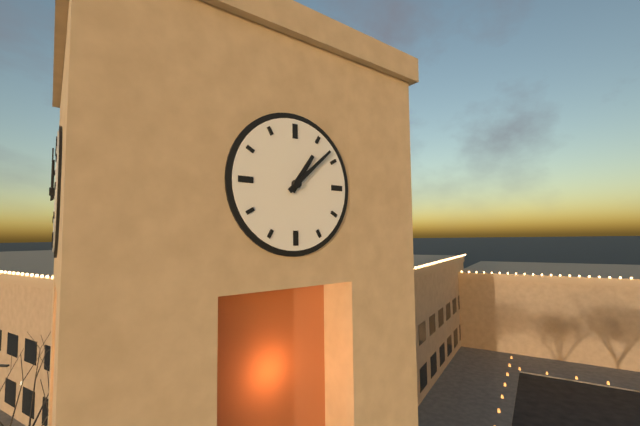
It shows {"hour": 1, "minute": 8}
